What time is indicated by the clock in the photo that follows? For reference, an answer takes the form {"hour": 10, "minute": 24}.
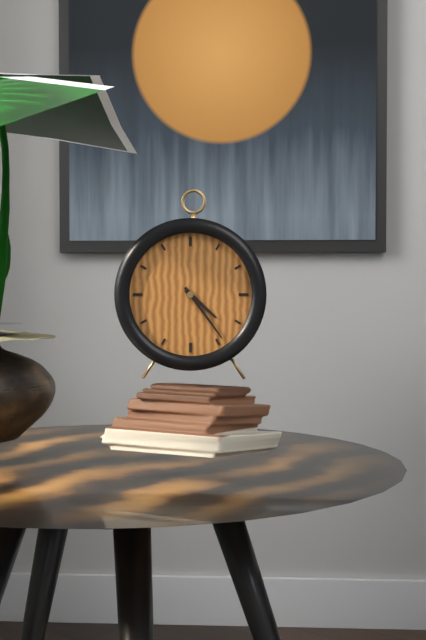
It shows {"hour": 4, "minute": 24}
